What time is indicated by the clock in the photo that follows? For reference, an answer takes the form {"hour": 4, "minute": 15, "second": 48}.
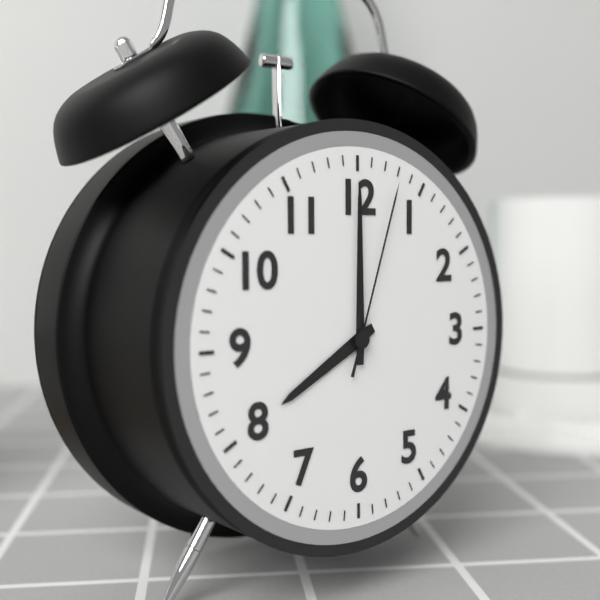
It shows {"hour": 8, "minute": 0, "second": 3}
